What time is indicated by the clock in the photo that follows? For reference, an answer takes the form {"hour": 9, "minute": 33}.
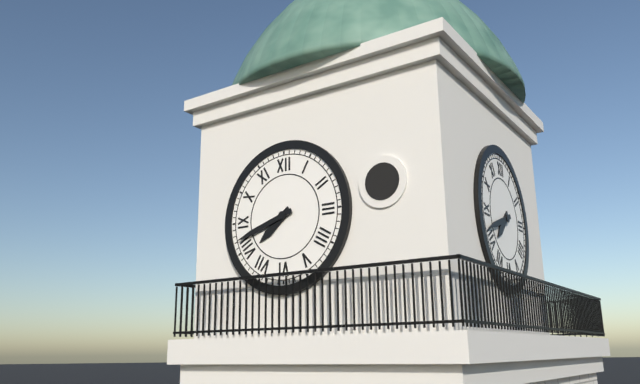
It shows {"hour": 7, "minute": 42}
